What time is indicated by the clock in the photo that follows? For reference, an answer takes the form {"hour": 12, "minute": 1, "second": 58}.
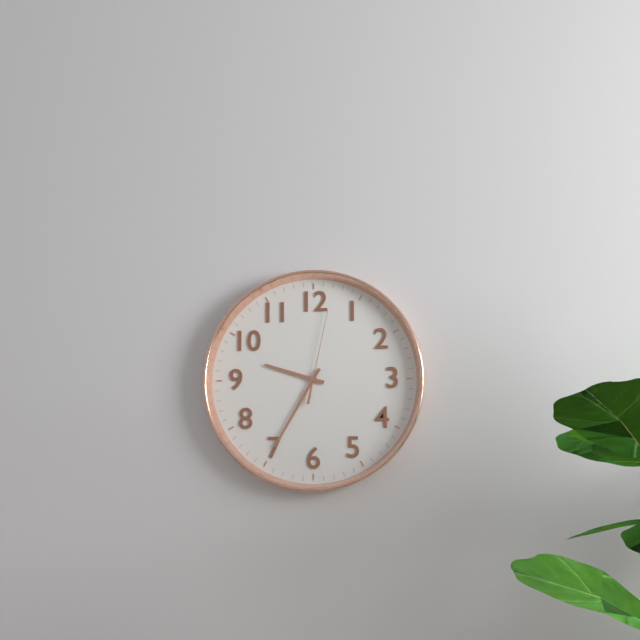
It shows {"hour": 9, "minute": 35, "second": 2}
